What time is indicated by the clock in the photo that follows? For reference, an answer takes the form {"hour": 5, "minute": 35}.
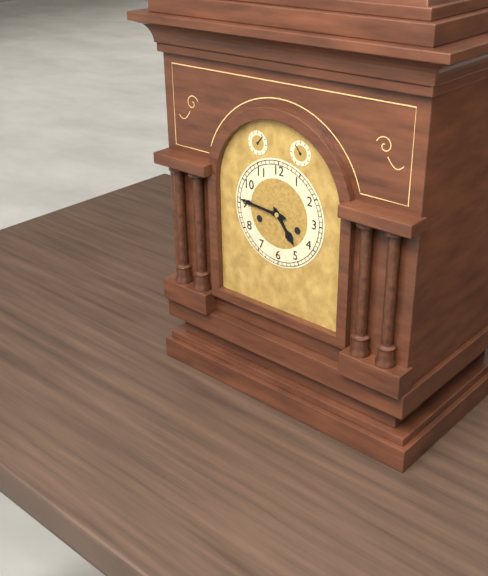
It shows {"hour": 4, "minute": 46}
